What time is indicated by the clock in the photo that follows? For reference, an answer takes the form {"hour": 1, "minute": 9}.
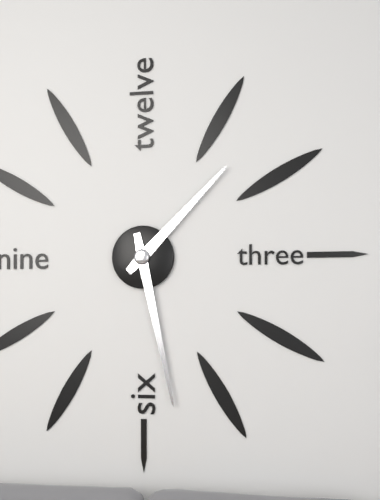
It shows {"hour": 1, "minute": 28}
